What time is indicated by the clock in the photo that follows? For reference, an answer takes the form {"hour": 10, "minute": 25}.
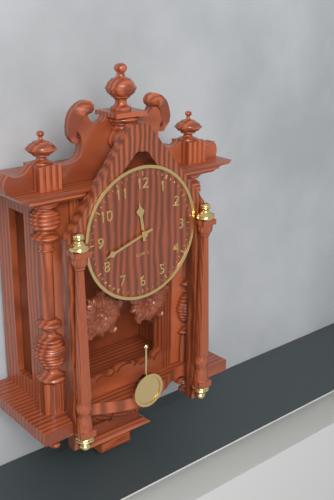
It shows {"hour": 11, "minute": 42}
